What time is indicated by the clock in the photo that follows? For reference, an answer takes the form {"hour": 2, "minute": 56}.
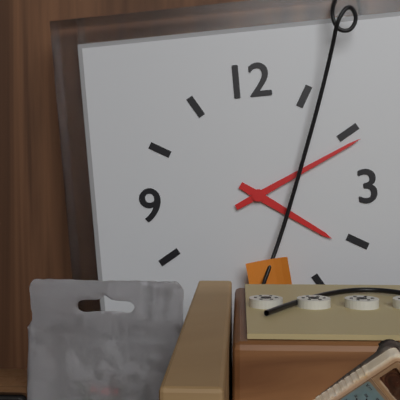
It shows {"hour": 4, "minute": 11}
